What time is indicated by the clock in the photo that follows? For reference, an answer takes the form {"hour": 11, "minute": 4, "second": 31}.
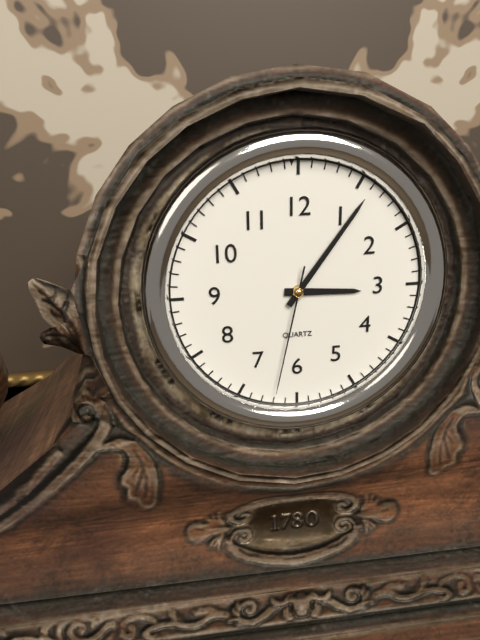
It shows {"hour": 3, "minute": 6, "second": 32}
